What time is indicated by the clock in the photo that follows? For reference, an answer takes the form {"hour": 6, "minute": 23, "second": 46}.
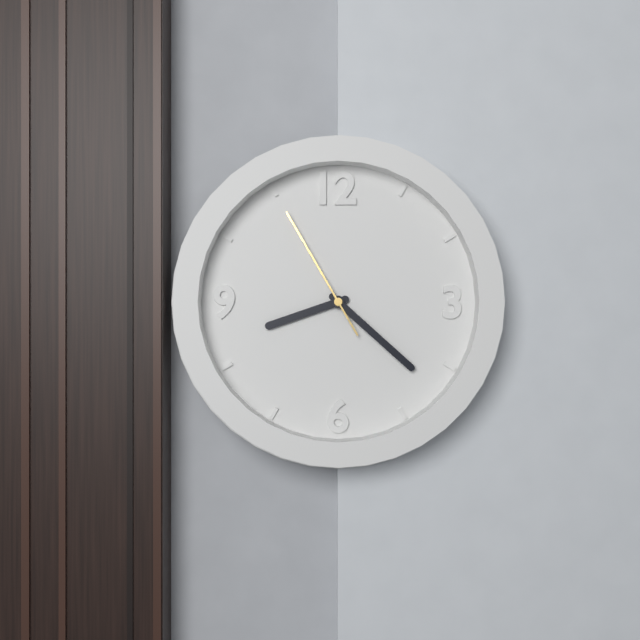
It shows {"hour": 8, "minute": 22, "second": 55}
